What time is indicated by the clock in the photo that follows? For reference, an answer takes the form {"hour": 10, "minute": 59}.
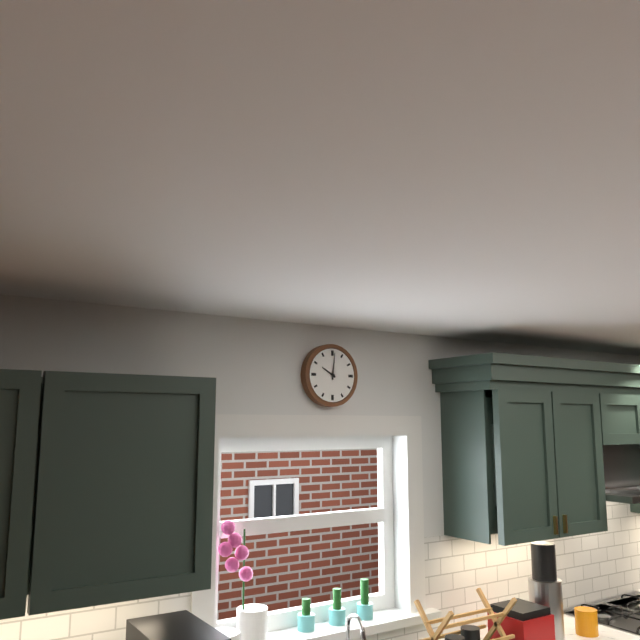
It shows {"hour": 10, "minute": 1}
